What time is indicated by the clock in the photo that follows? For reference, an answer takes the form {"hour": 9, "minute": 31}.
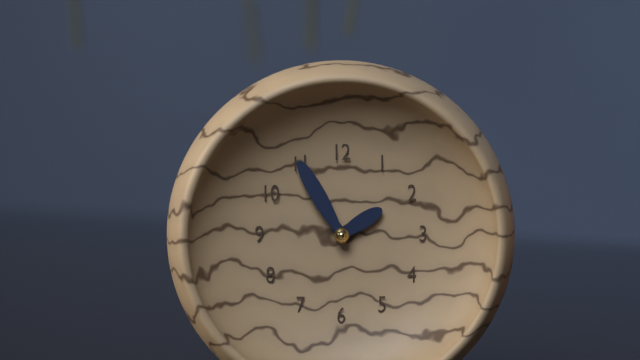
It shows {"hour": 1, "minute": 55}
